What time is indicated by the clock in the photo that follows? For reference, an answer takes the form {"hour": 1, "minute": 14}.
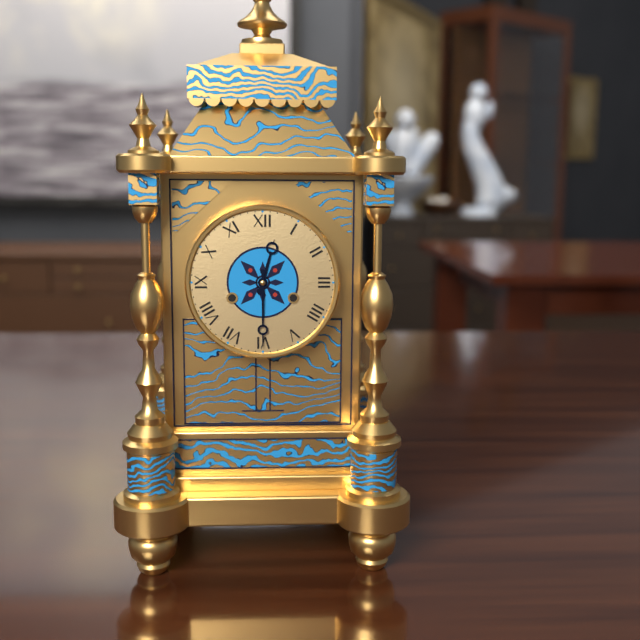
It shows {"hour": 12, "minute": 30}
